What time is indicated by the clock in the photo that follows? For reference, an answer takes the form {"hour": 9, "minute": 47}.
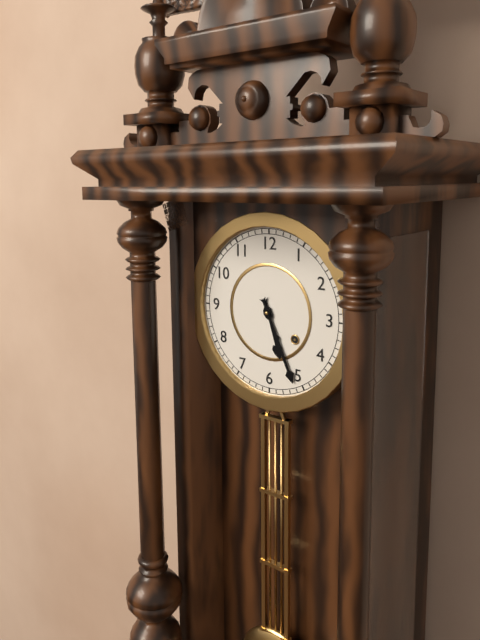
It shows {"hour": 5, "minute": 26}
